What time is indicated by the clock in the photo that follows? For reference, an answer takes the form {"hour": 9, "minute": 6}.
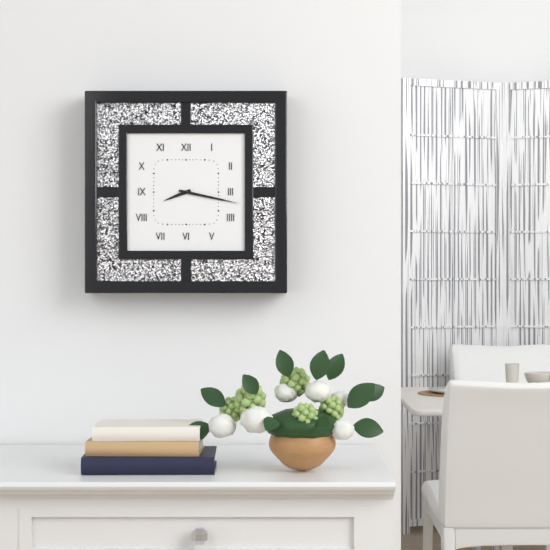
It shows {"hour": 8, "minute": 17}
